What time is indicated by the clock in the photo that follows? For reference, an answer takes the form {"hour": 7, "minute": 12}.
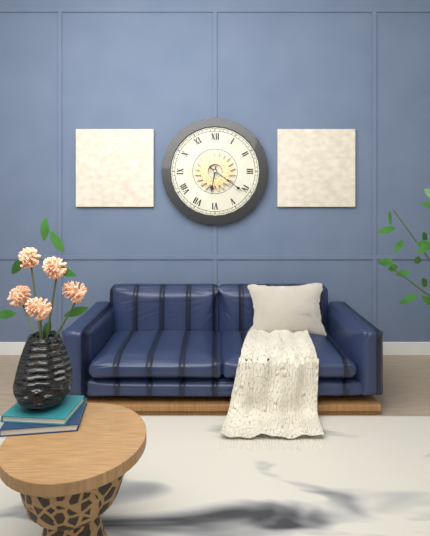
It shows {"hour": 6, "minute": 21}
